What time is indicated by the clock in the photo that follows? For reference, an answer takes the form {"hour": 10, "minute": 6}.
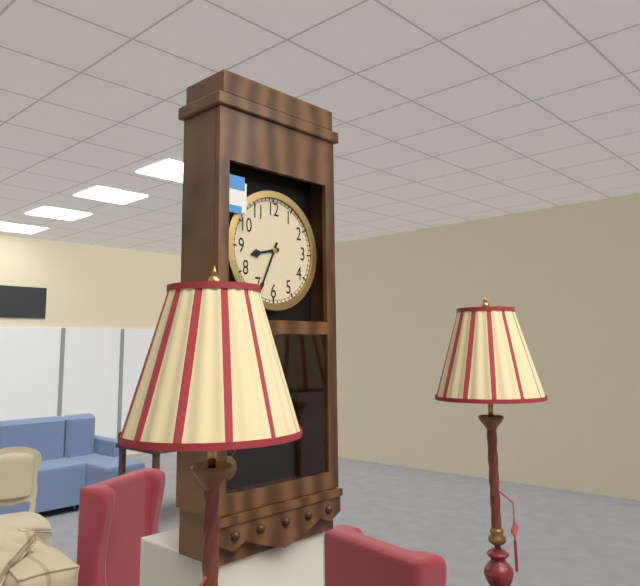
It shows {"hour": 8, "minute": 34}
